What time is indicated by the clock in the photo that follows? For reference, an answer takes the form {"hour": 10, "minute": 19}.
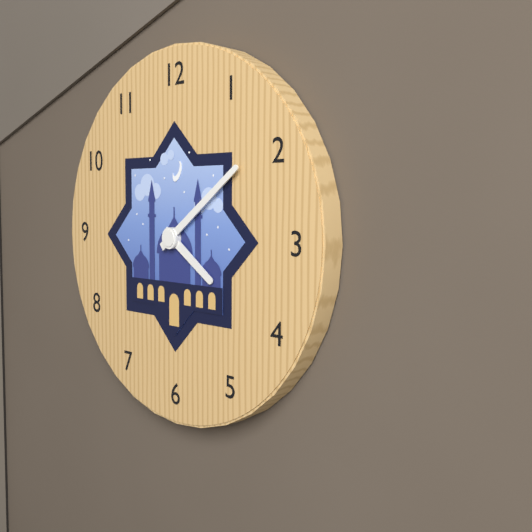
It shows {"hour": 4, "minute": 9}
